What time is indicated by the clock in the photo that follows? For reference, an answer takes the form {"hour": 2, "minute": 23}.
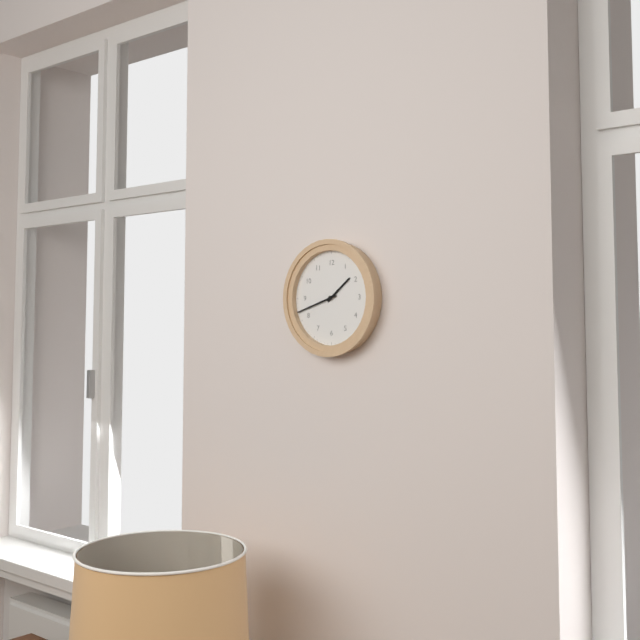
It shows {"hour": 1, "minute": 42}
